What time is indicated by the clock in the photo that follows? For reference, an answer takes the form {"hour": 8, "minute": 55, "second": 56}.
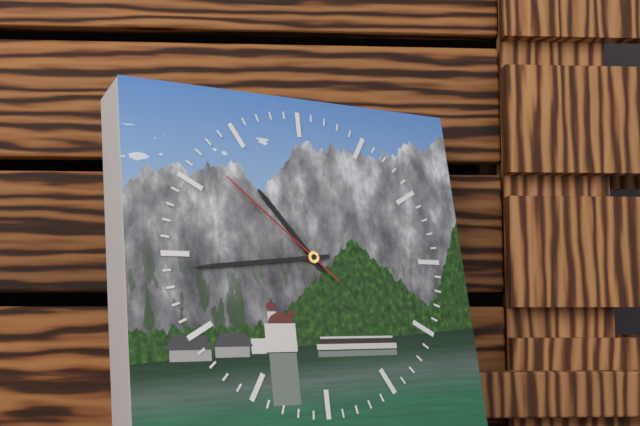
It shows {"hour": 10, "minute": 44, "second": 52}
